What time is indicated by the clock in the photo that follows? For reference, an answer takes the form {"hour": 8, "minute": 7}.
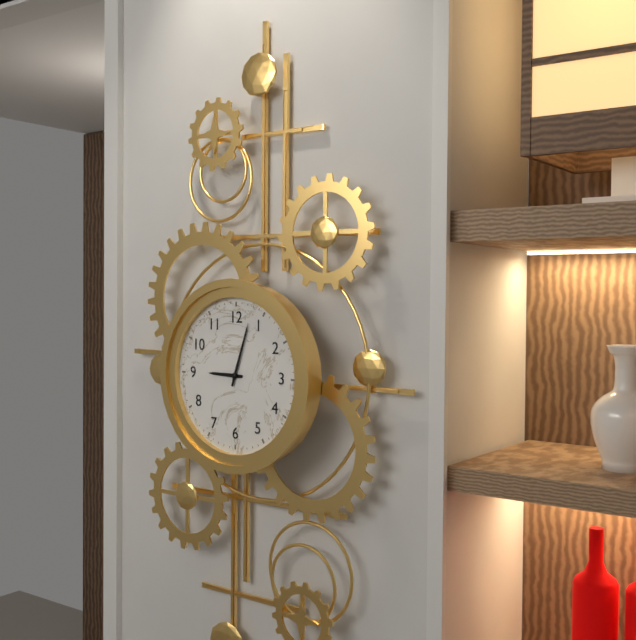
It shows {"hour": 9, "minute": 3}
